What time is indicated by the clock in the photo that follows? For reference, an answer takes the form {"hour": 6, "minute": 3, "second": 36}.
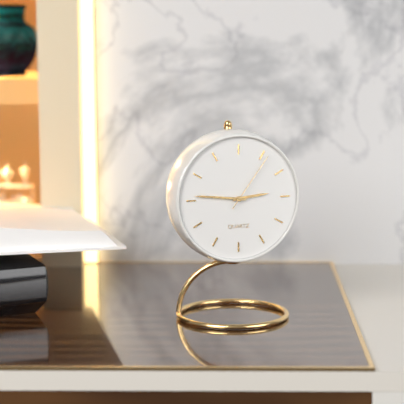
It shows {"hour": 2, "minute": 46, "second": 6}
